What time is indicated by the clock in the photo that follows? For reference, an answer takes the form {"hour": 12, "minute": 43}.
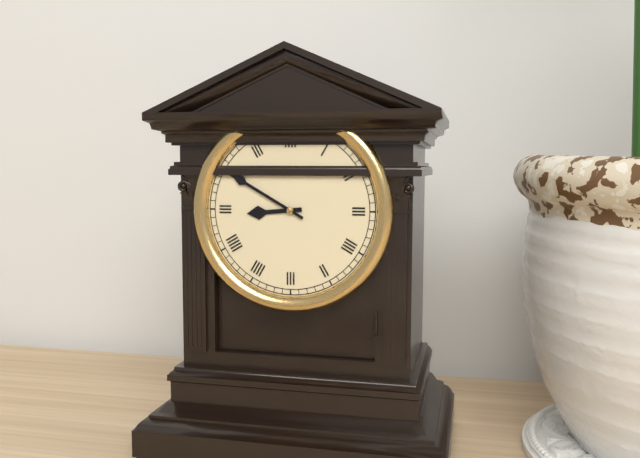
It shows {"hour": 8, "minute": 50}
